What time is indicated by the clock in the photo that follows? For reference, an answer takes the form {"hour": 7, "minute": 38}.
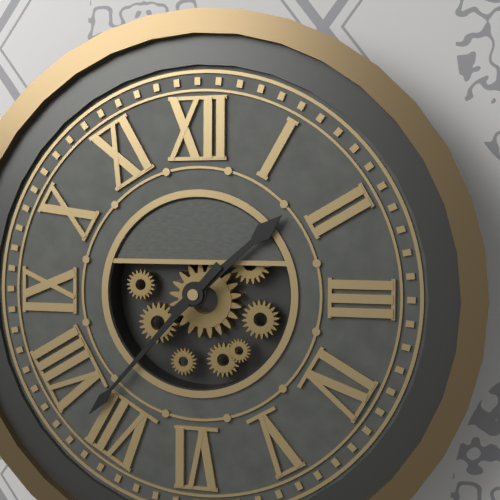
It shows {"hour": 1, "minute": 37}
